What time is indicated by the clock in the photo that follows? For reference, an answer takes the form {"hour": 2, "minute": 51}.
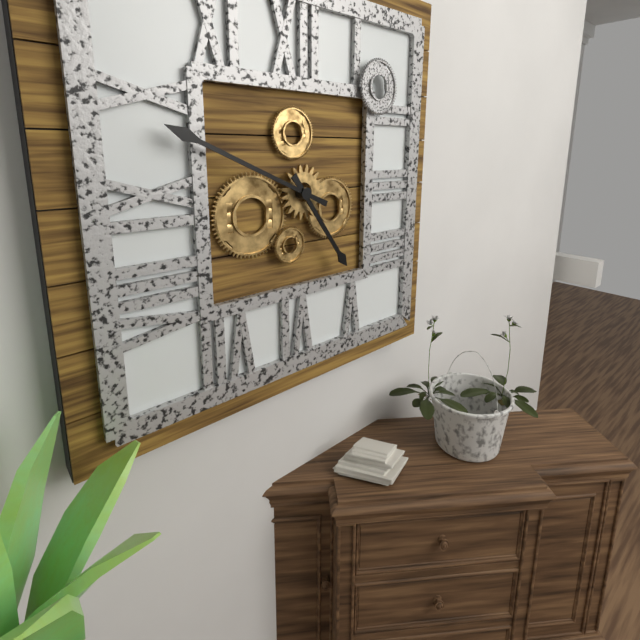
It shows {"hour": 4, "minute": 49}
